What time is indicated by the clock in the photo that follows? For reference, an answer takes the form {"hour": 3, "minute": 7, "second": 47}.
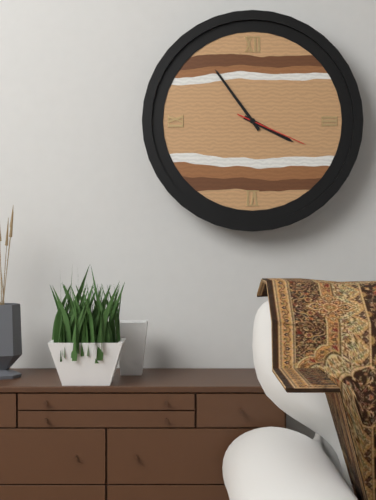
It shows {"hour": 3, "minute": 54, "second": 19}
